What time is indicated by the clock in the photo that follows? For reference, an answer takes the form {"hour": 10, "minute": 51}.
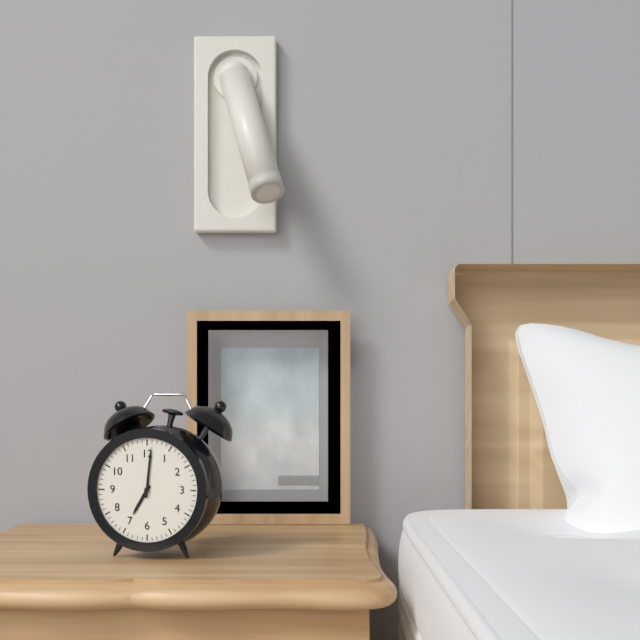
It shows {"hour": 7, "minute": 1}
